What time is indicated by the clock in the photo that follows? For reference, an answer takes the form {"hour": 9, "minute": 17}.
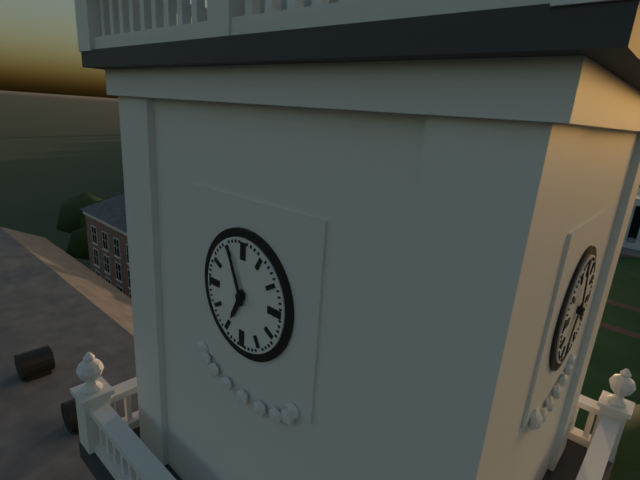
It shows {"hour": 6, "minute": 56}
